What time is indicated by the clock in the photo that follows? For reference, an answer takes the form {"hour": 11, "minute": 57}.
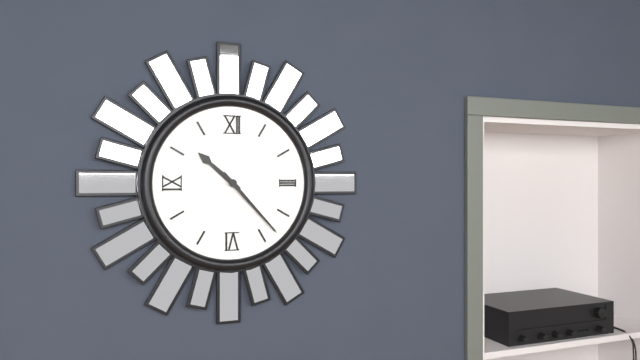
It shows {"hour": 10, "minute": 23}
